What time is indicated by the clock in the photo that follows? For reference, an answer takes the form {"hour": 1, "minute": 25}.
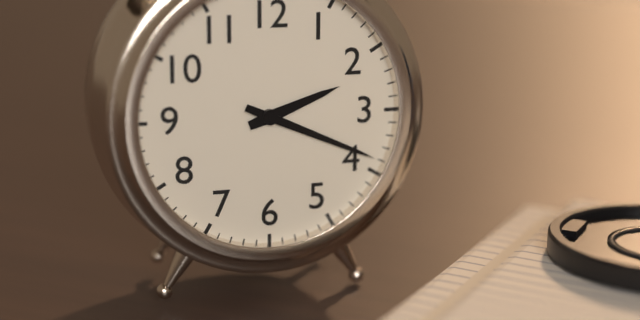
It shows {"hour": 2, "minute": 19}
